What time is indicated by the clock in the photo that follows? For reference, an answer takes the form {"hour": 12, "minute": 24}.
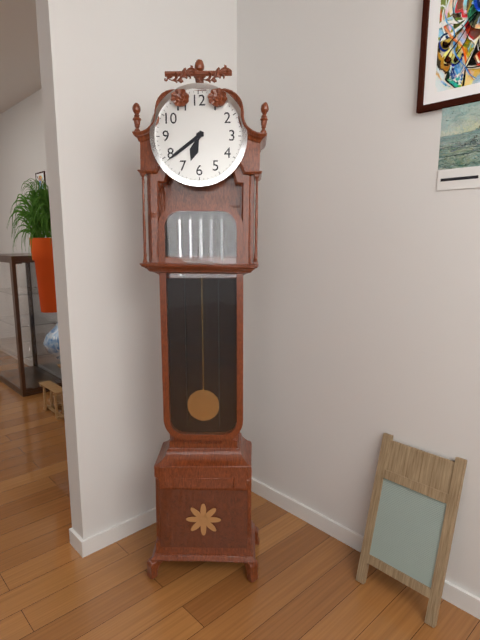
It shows {"hour": 6, "minute": 39}
